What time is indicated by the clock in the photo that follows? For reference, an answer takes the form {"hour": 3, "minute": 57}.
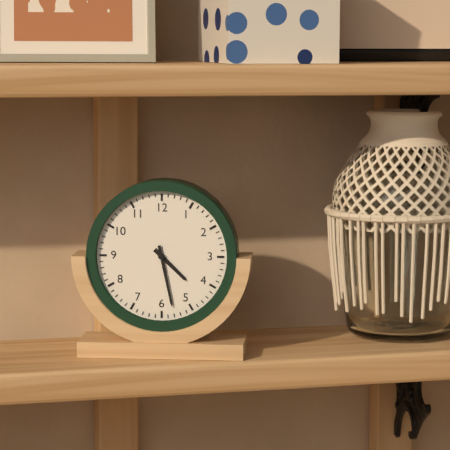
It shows {"hour": 4, "minute": 28}
